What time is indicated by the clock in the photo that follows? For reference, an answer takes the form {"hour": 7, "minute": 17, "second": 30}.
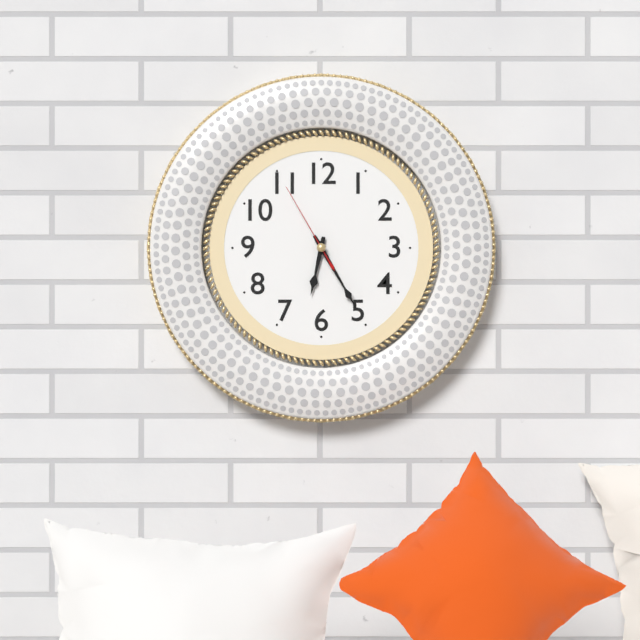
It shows {"hour": 6, "minute": 25, "second": 55}
